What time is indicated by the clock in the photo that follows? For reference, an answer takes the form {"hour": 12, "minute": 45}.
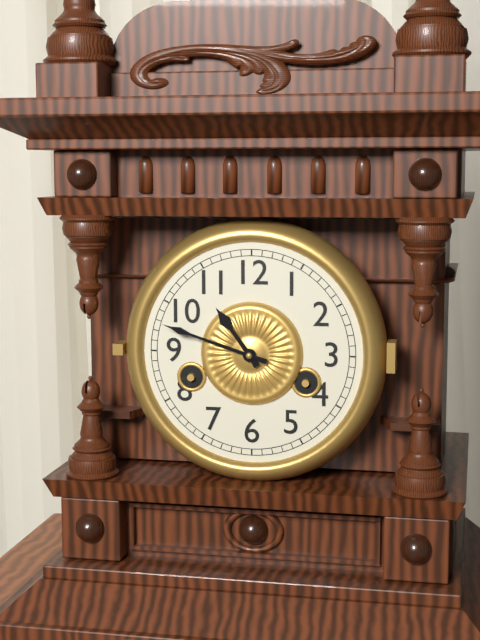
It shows {"hour": 10, "minute": 48}
